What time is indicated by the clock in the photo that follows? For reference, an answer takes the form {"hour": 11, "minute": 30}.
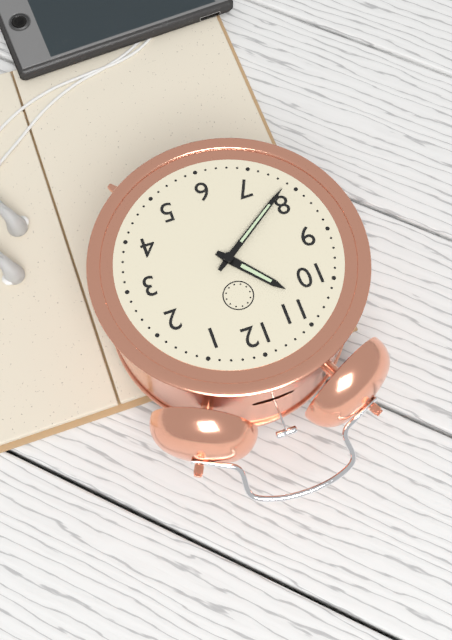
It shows {"hour": 10, "minute": 39}
